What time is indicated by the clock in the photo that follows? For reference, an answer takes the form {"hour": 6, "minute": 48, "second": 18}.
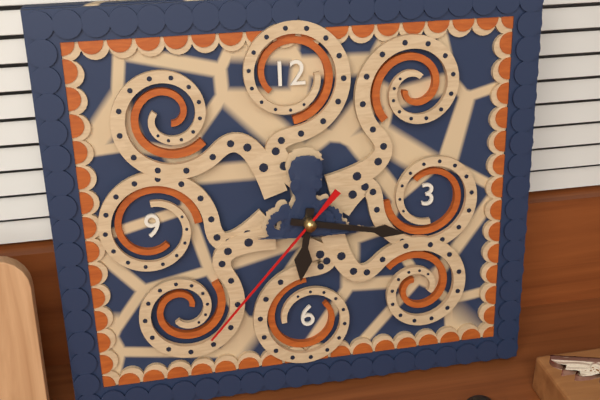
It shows {"hour": 6, "minute": 17, "second": 37}
